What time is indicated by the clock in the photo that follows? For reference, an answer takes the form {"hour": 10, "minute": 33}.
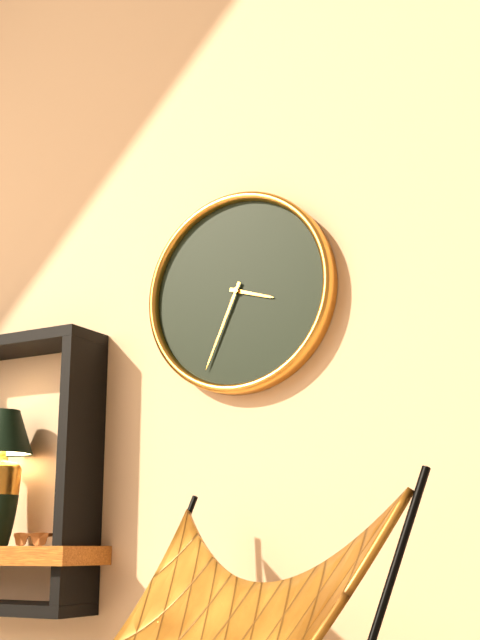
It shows {"hour": 3, "minute": 34}
